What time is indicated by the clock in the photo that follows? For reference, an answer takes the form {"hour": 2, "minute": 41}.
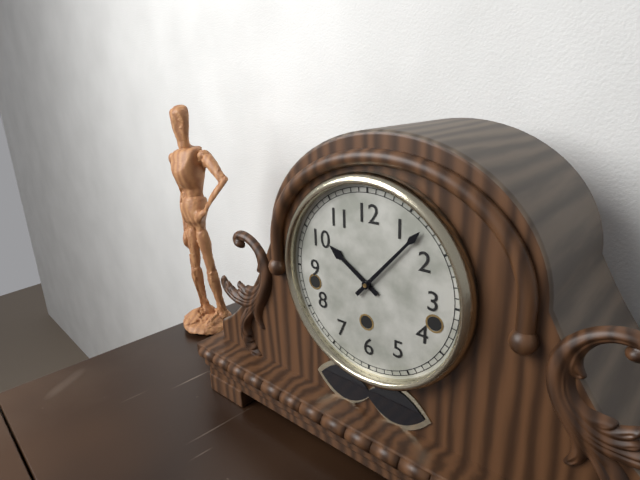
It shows {"hour": 10, "minute": 7}
